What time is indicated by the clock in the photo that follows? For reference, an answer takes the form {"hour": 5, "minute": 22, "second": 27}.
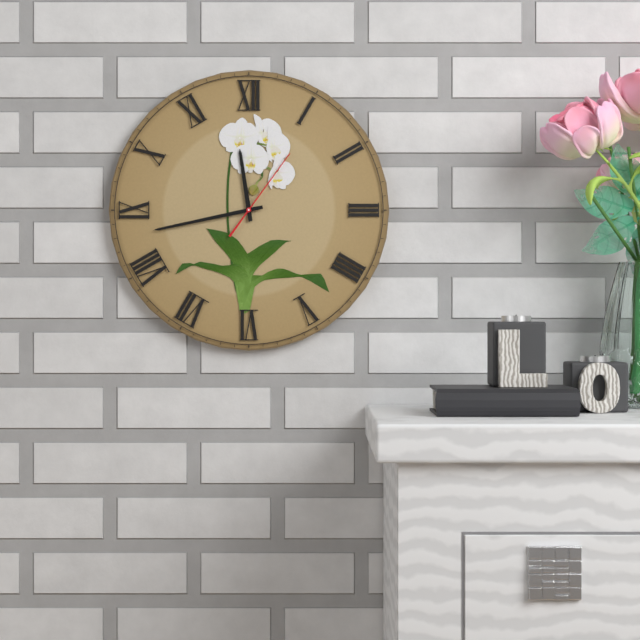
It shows {"hour": 11, "minute": 43, "second": 6}
